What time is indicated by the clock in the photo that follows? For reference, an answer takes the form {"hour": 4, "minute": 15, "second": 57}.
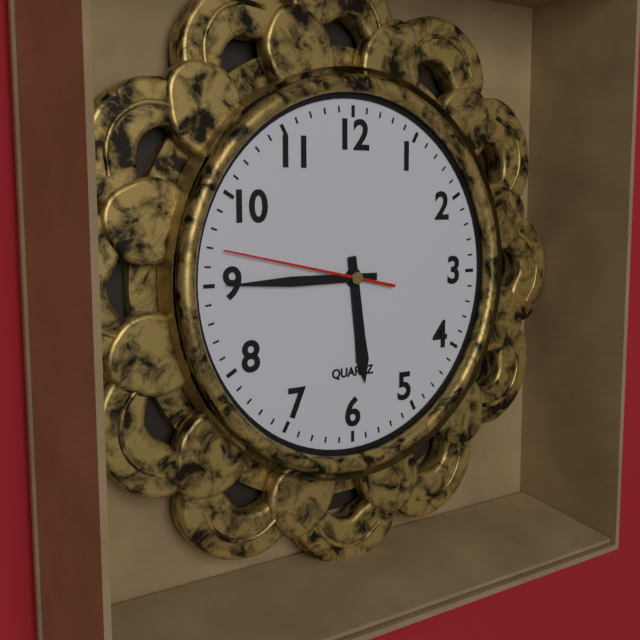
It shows {"hour": 5, "minute": 45, "second": 47}
